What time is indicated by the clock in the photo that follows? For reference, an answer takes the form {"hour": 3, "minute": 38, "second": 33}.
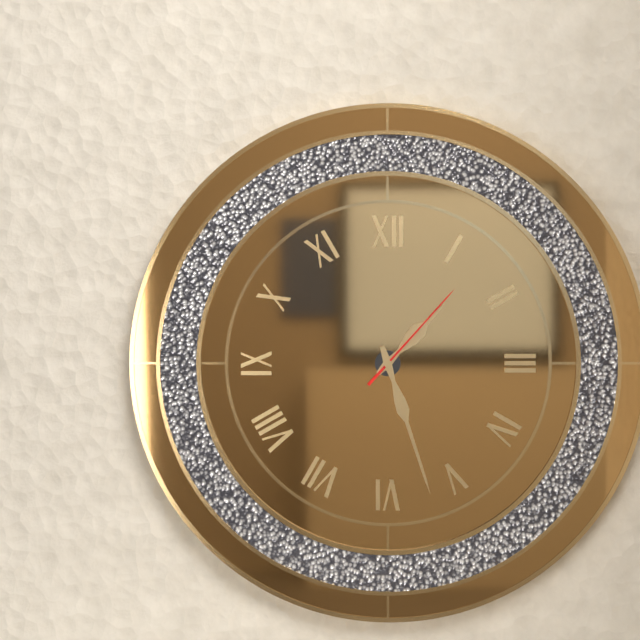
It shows {"hour": 1, "minute": 27, "second": 7}
